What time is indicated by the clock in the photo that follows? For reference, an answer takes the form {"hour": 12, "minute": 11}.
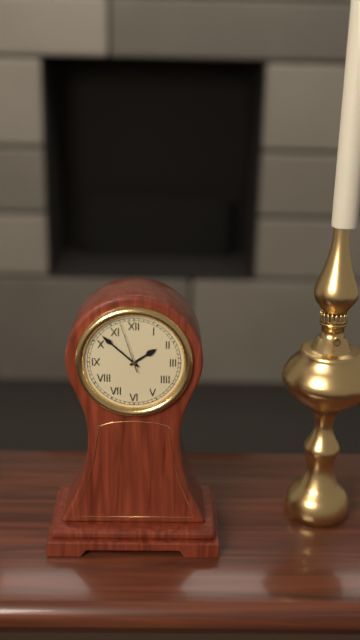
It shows {"hour": 1, "minute": 52}
